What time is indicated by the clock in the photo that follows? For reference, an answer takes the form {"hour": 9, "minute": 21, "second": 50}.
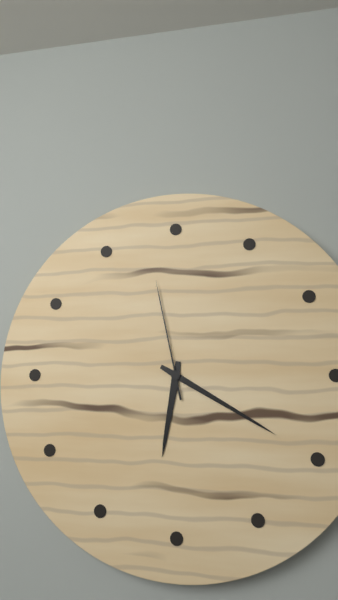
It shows {"hour": 6, "minute": 20, "second": 58}
